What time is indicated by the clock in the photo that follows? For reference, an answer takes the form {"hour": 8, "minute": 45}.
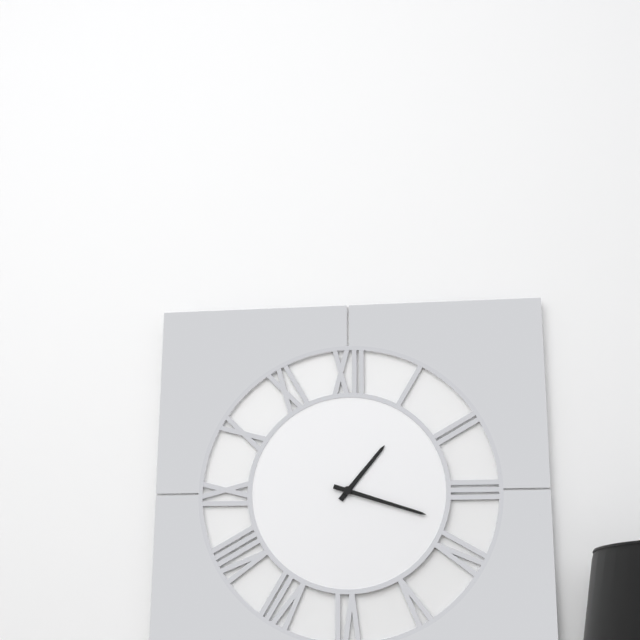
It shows {"hour": 1, "minute": 18}
